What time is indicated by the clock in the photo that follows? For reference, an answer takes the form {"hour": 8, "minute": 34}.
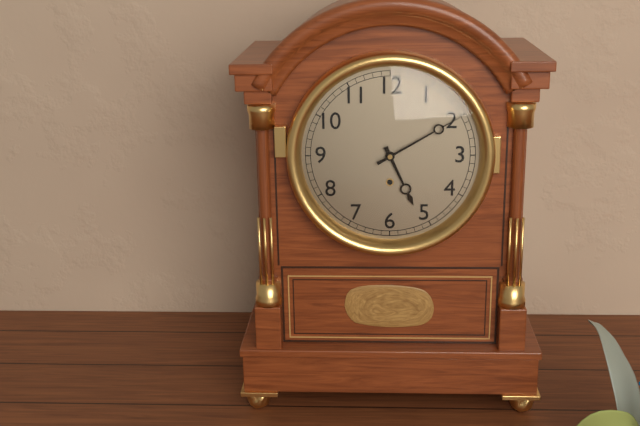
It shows {"hour": 5, "minute": 10}
